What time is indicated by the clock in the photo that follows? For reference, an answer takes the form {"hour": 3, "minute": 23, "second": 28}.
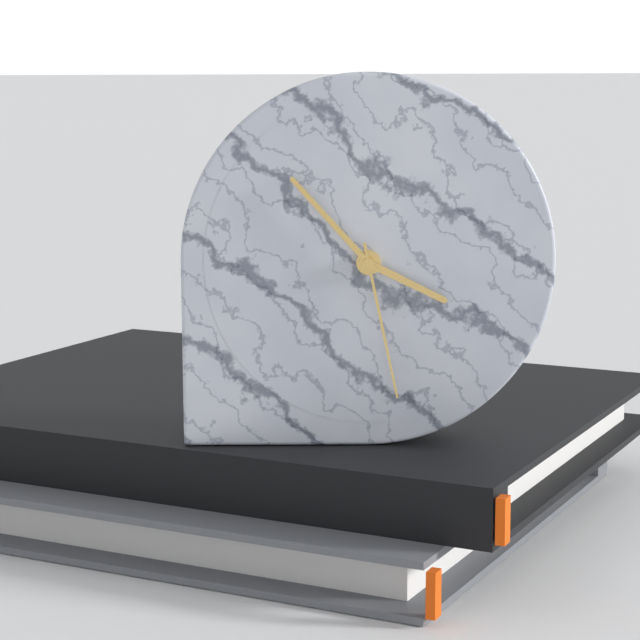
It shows {"hour": 3, "minute": 53, "second": 28}
